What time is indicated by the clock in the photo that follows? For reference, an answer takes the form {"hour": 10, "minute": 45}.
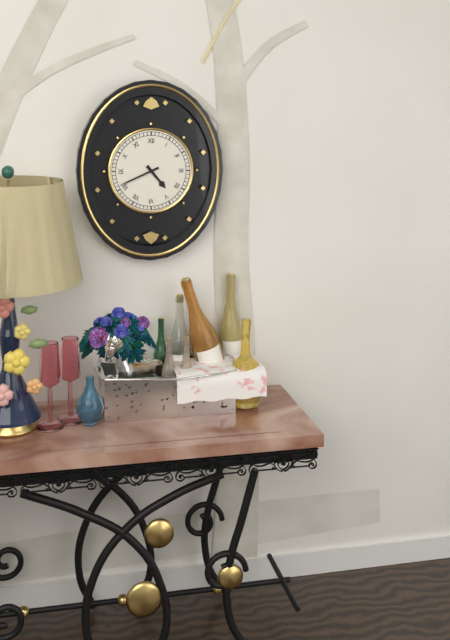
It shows {"hour": 4, "minute": 41}
